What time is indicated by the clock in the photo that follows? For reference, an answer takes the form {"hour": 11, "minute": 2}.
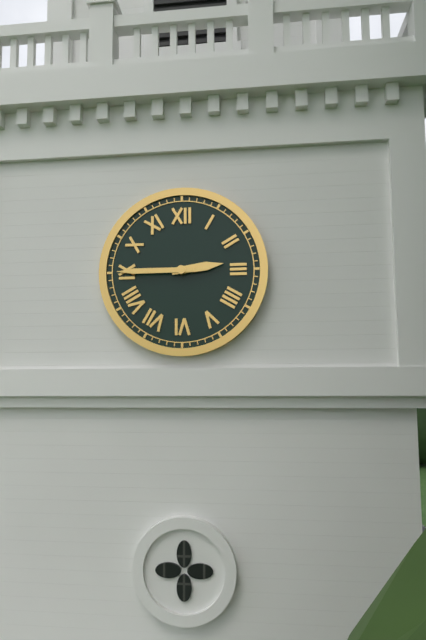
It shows {"hour": 2, "minute": 45}
